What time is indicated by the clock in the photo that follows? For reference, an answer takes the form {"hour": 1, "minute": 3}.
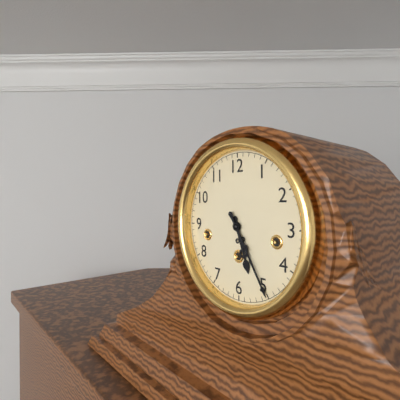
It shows {"hour": 5, "minute": 25}
